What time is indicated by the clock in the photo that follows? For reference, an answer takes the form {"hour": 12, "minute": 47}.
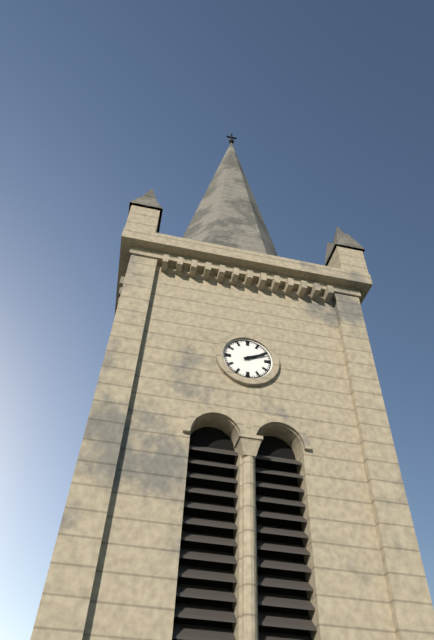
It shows {"hour": 2, "minute": 11}
